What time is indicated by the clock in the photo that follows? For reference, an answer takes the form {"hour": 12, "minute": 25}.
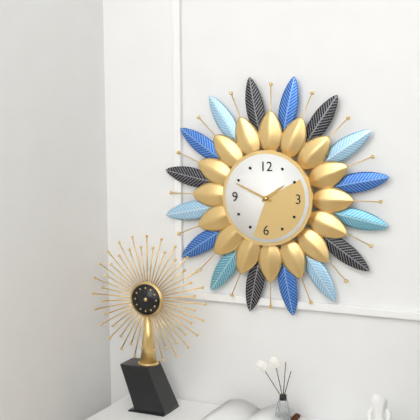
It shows {"hour": 1, "minute": 49}
